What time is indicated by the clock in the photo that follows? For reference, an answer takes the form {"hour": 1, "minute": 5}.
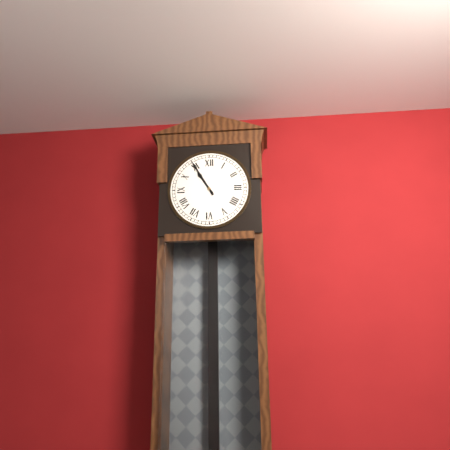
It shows {"hour": 10, "minute": 55}
